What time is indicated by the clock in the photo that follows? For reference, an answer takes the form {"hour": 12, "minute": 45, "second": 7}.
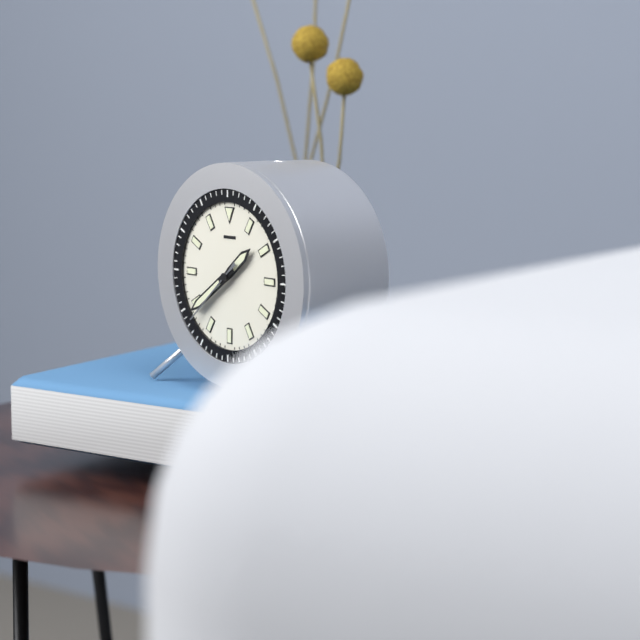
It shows {"hour": 1, "minute": 39, "second": 38}
